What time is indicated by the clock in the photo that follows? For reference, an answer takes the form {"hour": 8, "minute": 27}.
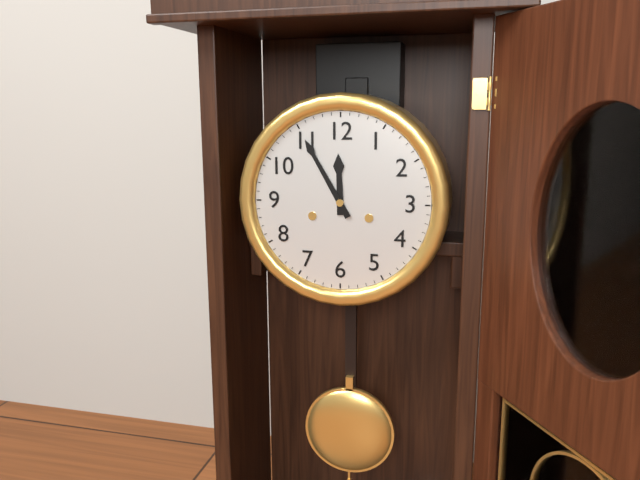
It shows {"hour": 11, "minute": 55}
